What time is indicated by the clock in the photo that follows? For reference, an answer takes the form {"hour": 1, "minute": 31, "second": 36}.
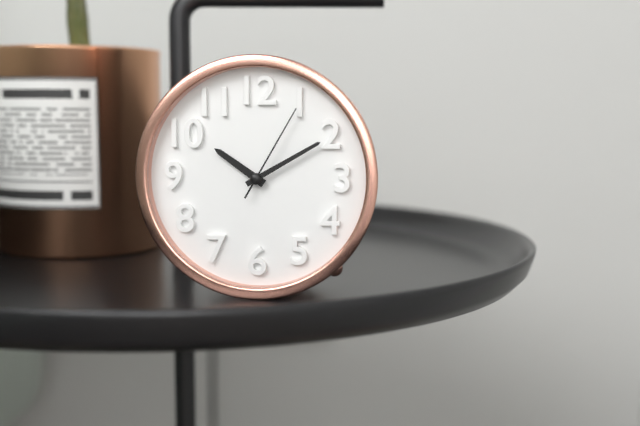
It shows {"hour": 10, "minute": 10, "second": 5}
